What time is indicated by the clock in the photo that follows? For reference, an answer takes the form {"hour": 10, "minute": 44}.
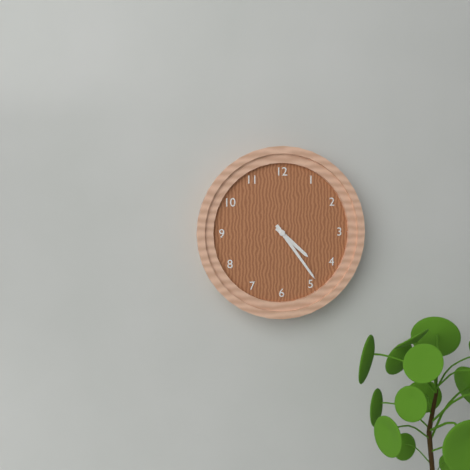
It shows {"hour": 4, "minute": 24}
